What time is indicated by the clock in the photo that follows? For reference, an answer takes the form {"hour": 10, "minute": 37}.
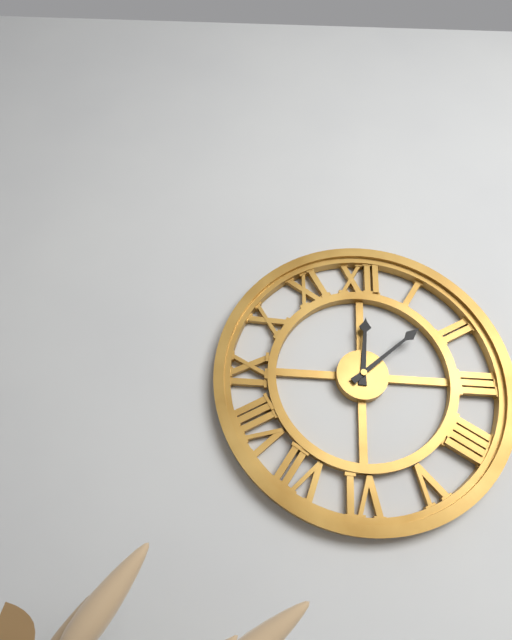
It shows {"hour": 12, "minute": 8}
